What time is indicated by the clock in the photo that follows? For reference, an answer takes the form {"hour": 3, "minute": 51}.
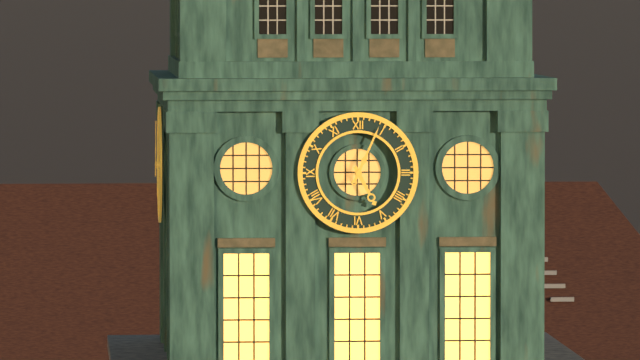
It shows {"hour": 5, "minute": 4}
